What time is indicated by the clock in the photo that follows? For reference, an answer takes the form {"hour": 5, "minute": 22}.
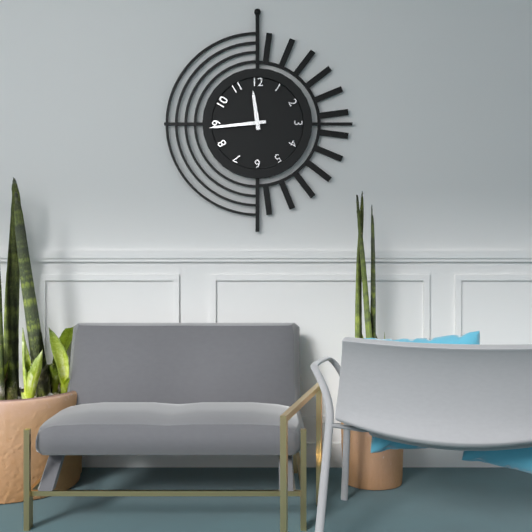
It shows {"hour": 11, "minute": 44}
